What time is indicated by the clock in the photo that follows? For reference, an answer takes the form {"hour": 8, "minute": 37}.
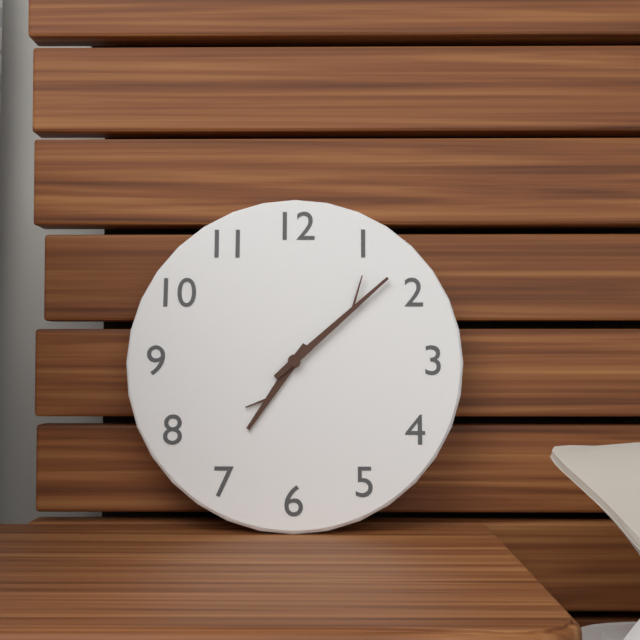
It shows {"hour": 7, "minute": 8}
